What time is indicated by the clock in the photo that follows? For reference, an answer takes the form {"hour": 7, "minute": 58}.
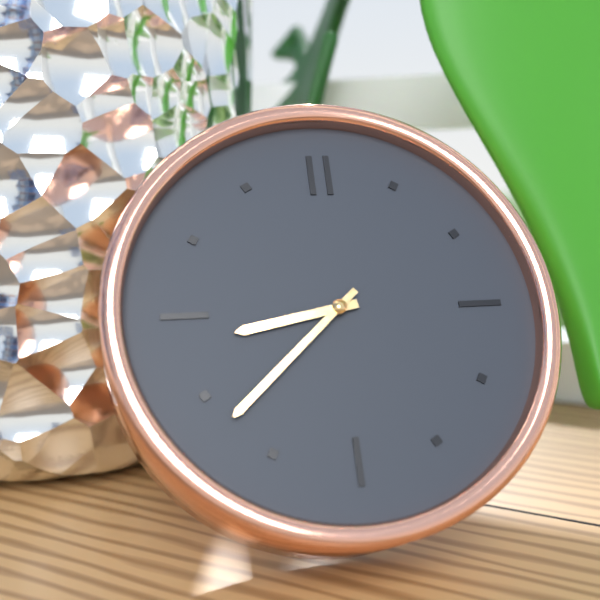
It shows {"hour": 8, "minute": 38}
